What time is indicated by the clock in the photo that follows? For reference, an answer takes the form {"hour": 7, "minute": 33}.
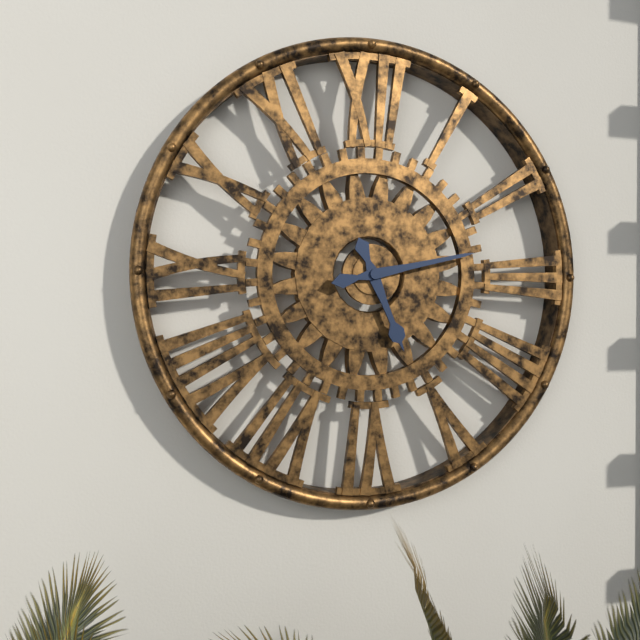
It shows {"hour": 5, "minute": 13}
